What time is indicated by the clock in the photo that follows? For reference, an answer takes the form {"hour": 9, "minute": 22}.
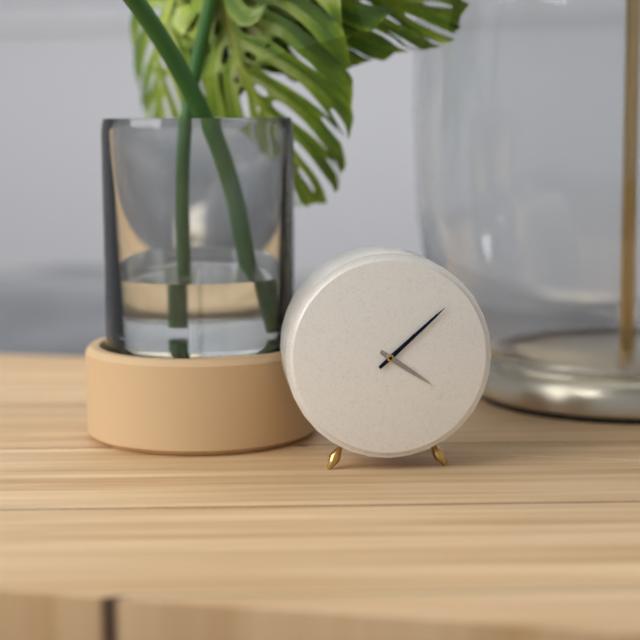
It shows {"hour": 4, "minute": 8}
